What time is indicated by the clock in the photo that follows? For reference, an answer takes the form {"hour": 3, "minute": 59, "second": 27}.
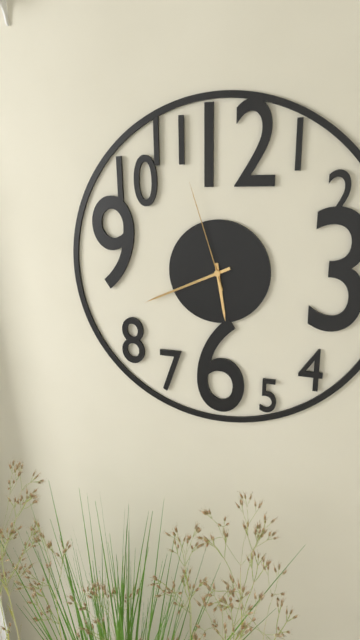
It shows {"hour": 5, "minute": 41, "second": 57}
